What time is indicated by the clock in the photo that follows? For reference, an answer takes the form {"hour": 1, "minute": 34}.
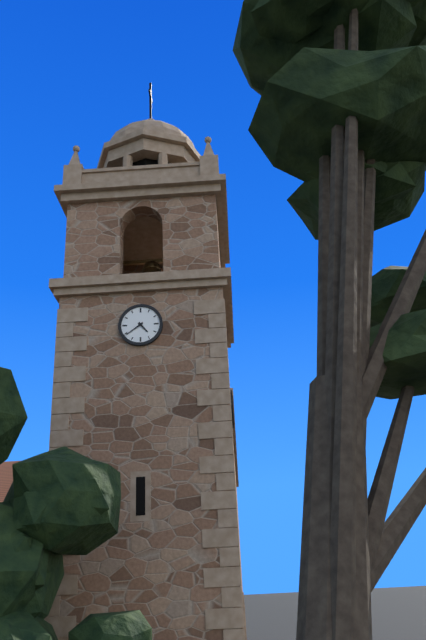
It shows {"hour": 4, "minute": 39}
